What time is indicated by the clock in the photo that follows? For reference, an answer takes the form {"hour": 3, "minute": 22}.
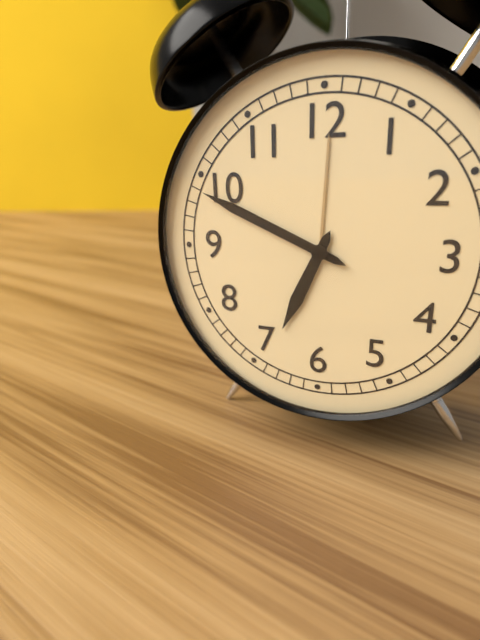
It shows {"hour": 6, "minute": 49}
